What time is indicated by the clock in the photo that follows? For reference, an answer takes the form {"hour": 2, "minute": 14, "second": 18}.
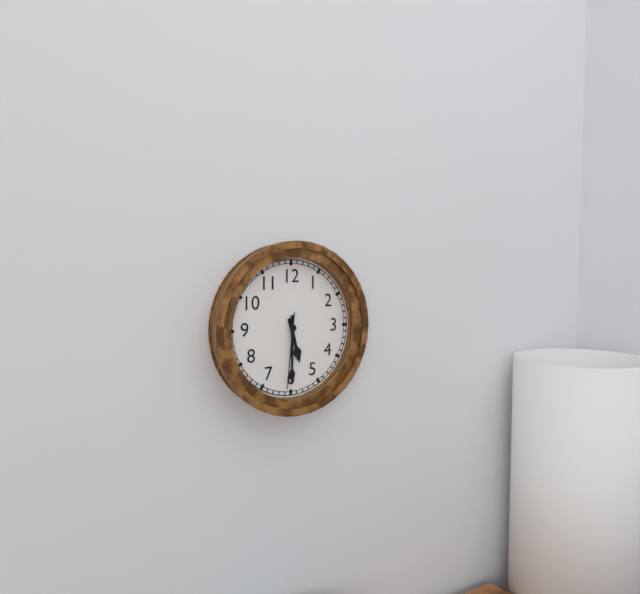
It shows {"hour": 5, "minute": 30, "second": 31}
